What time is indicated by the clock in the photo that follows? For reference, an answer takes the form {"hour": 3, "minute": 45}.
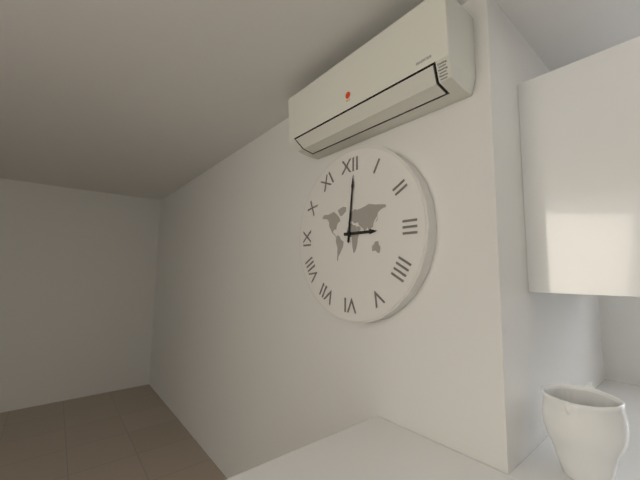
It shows {"hour": 3, "minute": 1}
